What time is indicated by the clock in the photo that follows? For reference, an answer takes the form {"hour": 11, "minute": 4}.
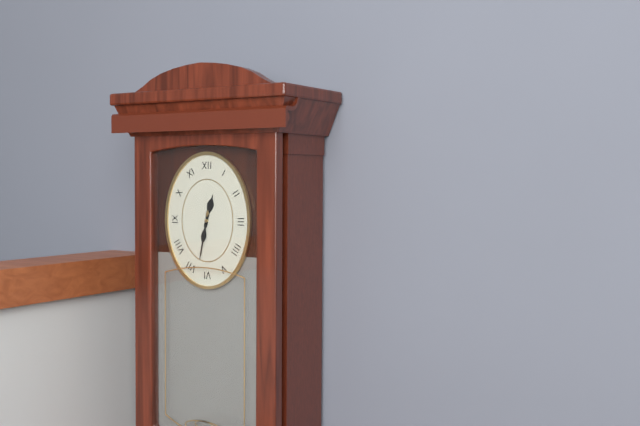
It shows {"hour": 12, "minute": 32}
